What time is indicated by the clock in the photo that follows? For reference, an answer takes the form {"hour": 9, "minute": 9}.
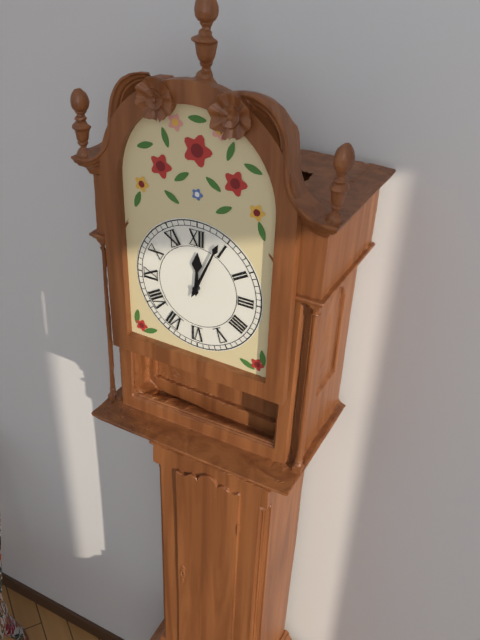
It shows {"hour": 12, "minute": 4}
